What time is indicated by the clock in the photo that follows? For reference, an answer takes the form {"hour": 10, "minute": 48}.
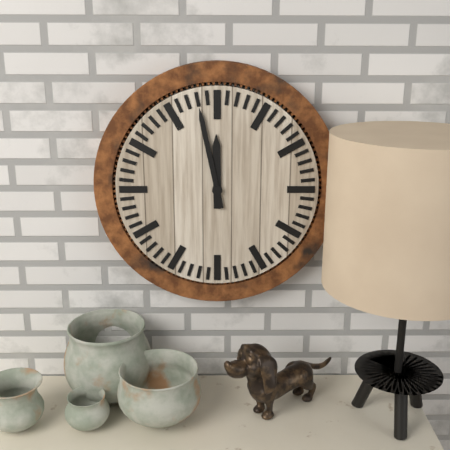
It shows {"hour": 11, "minute": 58}
